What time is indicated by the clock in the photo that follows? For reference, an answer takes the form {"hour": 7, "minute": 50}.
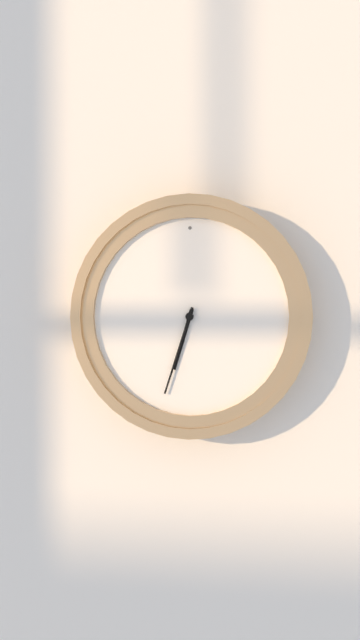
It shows {"hour": 6, "minute": 33}
